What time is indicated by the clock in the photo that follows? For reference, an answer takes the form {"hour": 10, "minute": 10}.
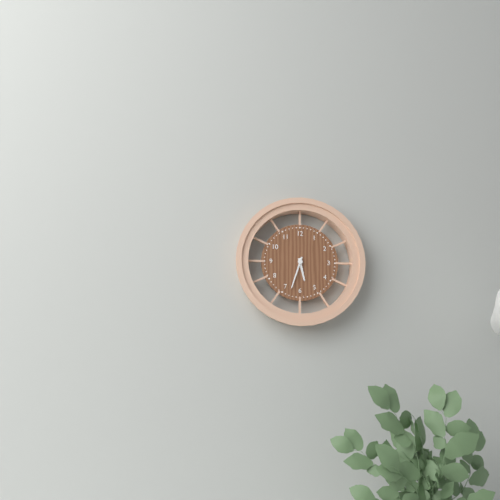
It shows {"hour": 5, "minute": 33}
